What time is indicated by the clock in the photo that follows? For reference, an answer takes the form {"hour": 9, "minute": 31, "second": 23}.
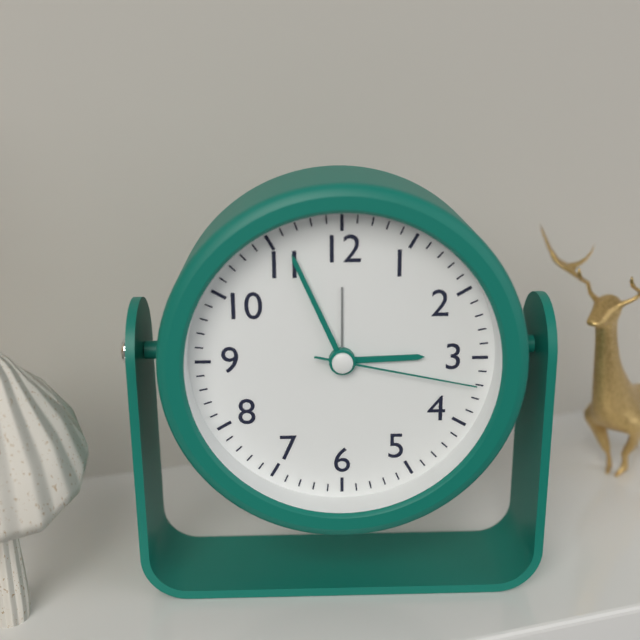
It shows {"hour": 2, "minute": 56, "second": 17}
